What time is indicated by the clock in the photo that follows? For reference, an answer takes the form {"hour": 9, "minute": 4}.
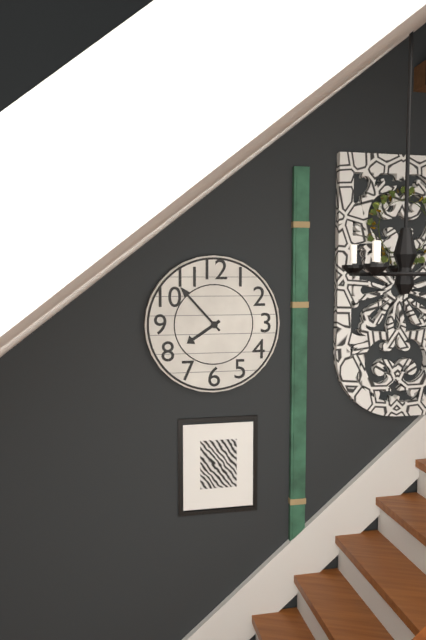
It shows {"hour": 7, "minute": 53}
